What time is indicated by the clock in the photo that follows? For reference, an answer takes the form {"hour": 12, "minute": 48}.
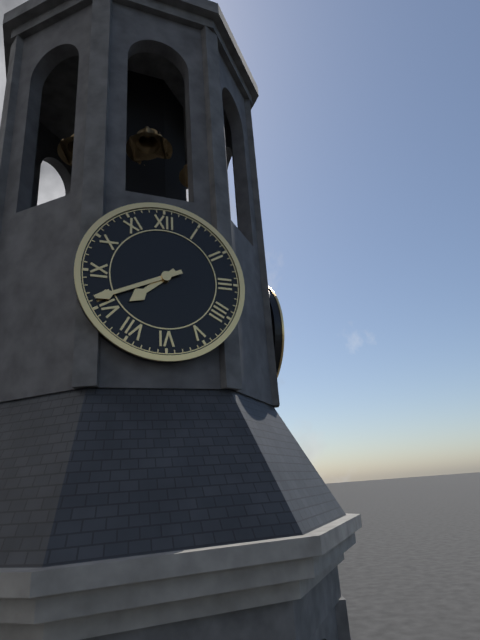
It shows {"hour": 7, "minute": 41}
